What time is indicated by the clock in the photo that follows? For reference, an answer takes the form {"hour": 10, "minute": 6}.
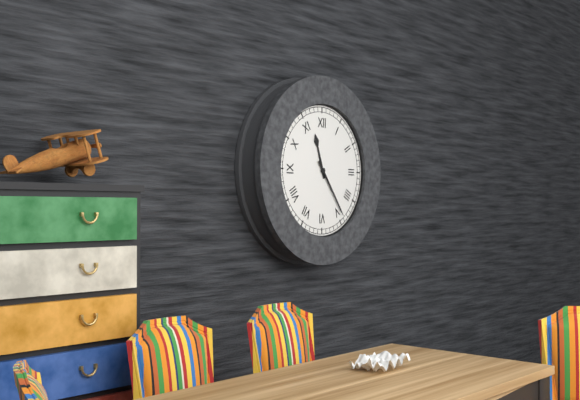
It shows {"hour": 11, "minute": 24}
